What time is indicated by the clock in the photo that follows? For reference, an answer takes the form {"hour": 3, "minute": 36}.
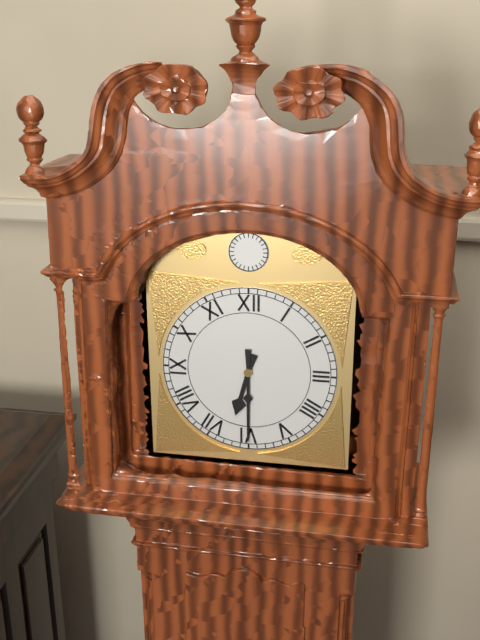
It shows {"hour": 6, "minute": 30}
